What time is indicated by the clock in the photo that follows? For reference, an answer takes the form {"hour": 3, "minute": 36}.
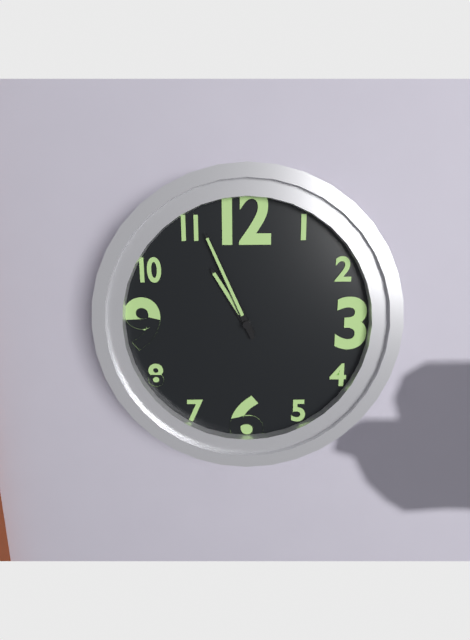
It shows {"hour": 10, "minute": 56}
